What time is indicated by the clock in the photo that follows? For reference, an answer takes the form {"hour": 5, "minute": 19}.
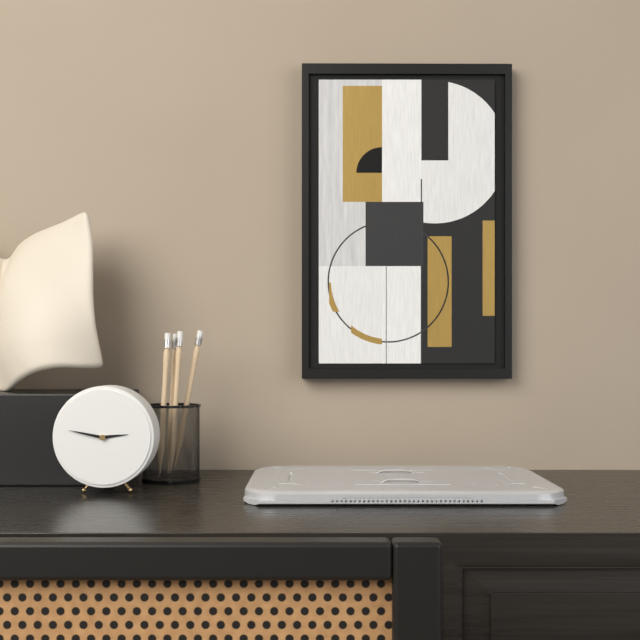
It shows {"hour": 2, "minute": 47}
